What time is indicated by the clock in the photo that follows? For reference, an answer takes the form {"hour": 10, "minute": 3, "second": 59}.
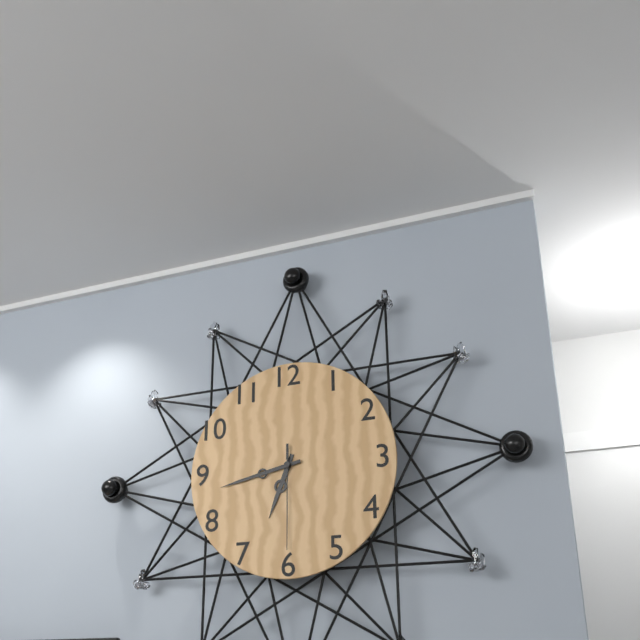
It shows {"hour": 6, "minute": 43, "second": 30}
